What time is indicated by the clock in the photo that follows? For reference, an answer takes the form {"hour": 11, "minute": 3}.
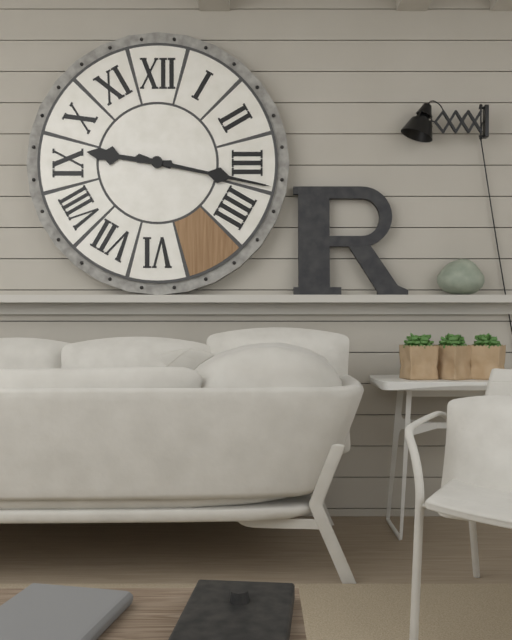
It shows {"hour": 9, "minute": 17}
